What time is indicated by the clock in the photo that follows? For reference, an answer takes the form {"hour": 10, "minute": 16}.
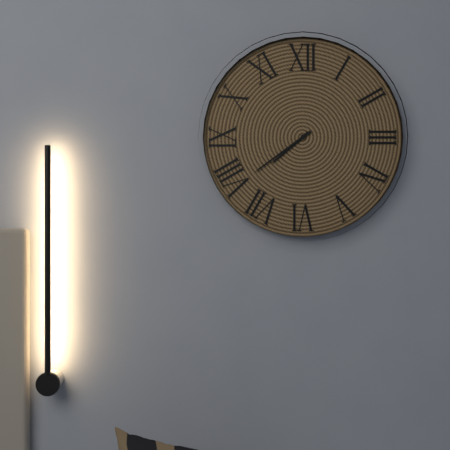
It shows {"hour": 7, "minute": 39}
